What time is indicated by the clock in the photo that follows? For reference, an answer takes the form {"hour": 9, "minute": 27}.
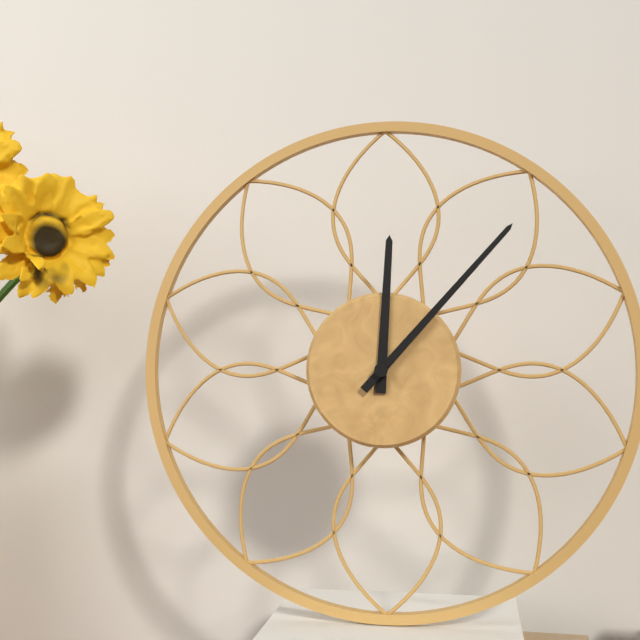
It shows {"hour": 12, "minute": 7}
